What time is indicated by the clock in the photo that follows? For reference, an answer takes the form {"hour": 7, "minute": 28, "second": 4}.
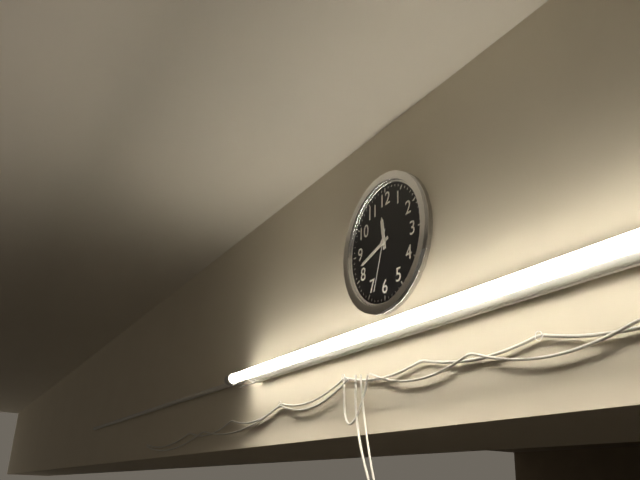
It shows {"hour": 11, "minute": 42, "second": 33}
